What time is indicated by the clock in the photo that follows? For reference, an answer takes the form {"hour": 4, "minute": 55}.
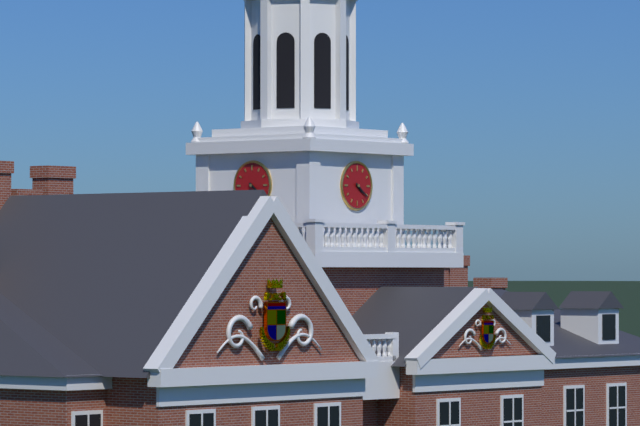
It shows {"hour": 4, "minute": 21}
